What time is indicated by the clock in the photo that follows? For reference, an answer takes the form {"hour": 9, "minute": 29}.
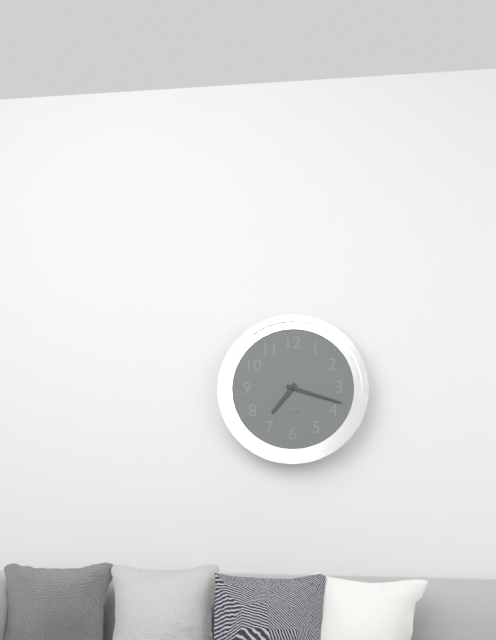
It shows {"hour": 7, "minute": 18}
